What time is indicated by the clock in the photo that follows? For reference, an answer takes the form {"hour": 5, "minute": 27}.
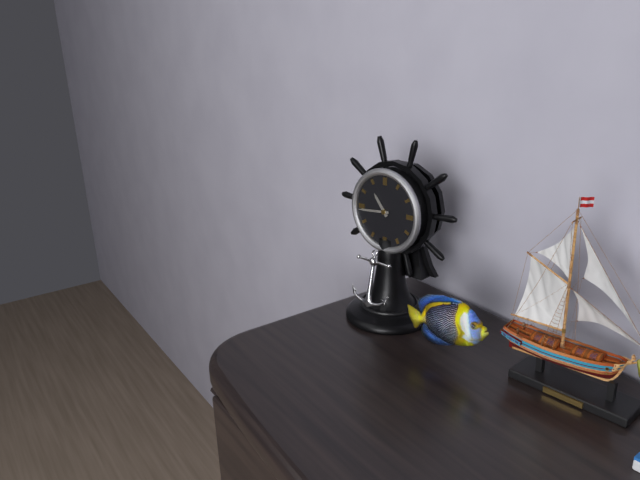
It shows {"hour": 10, "minute": 44}
